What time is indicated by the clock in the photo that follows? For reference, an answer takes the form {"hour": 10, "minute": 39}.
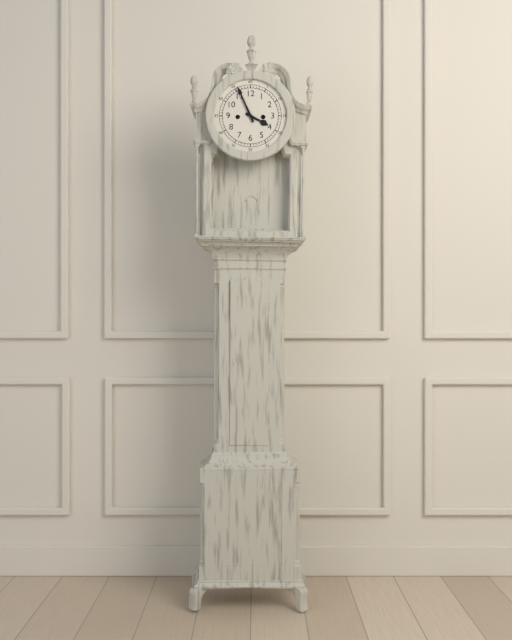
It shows {"hour": 3, "minute": 56}
